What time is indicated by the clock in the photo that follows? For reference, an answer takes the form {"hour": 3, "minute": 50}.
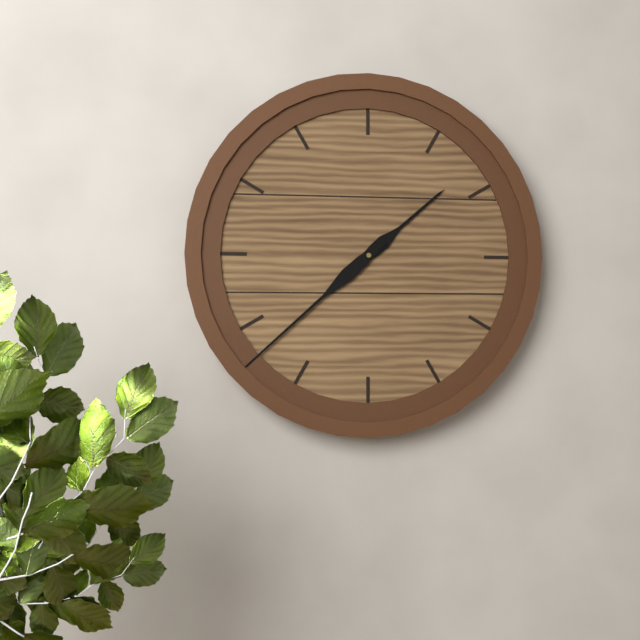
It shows {"hour": 1, "minute": 38}
